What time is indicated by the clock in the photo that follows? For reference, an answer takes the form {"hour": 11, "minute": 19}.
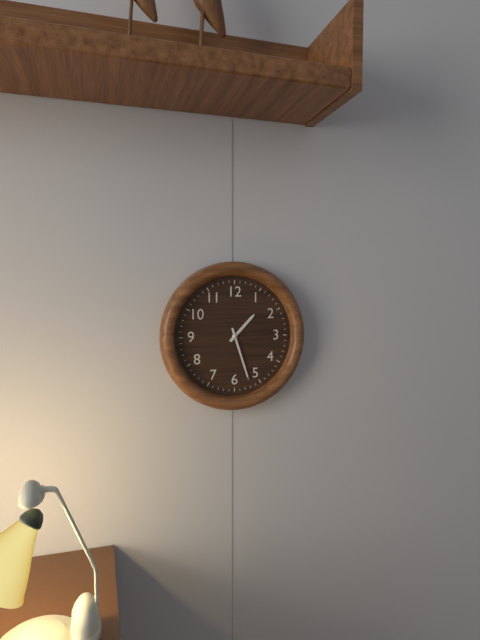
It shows {"hour": 1, "minute": 27}
